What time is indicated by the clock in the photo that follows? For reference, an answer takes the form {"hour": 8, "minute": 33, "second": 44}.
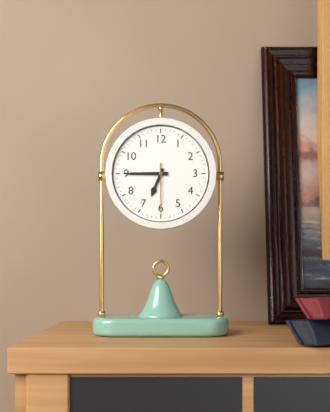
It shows {"hour": 6, "minute": 45, "second": 30}
